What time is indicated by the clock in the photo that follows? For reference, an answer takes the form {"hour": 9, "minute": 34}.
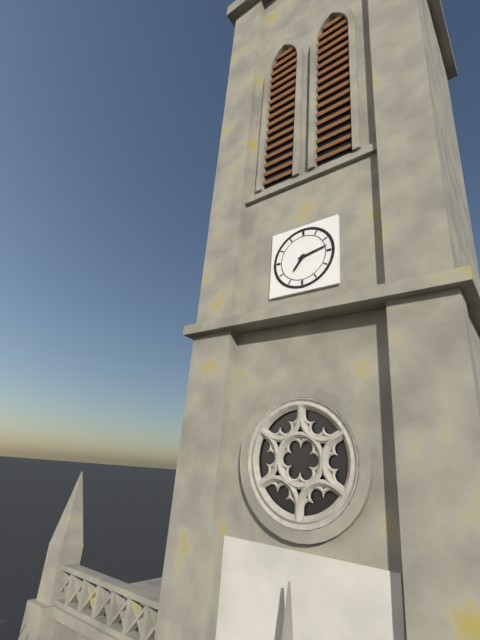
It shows {"hour": 7, "minute": 13}
